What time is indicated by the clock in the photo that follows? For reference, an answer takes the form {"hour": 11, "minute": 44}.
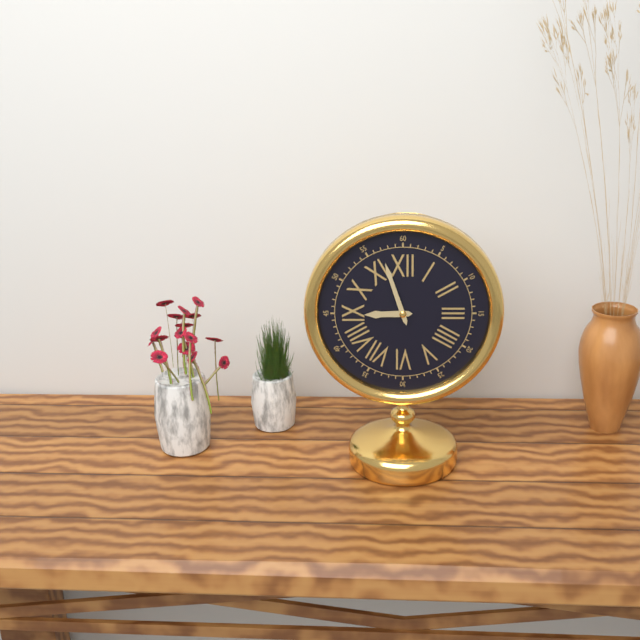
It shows {"hour": 8, "minute": 57}
